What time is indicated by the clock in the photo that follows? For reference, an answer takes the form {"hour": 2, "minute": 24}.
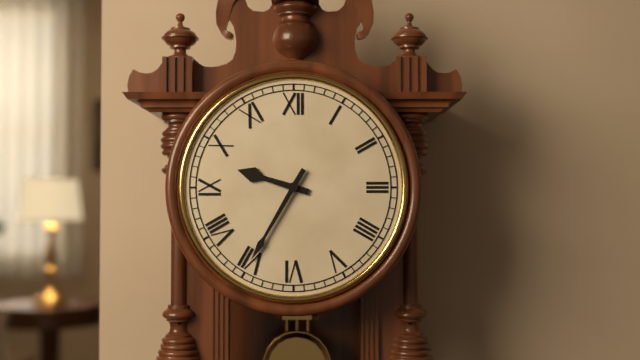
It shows {"hour": 9, "minute": 35}
